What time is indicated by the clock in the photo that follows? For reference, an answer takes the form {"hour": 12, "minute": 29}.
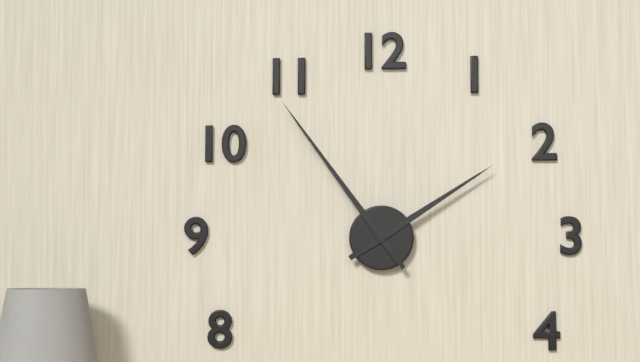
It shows {"hour": 1, "minute": 54}
